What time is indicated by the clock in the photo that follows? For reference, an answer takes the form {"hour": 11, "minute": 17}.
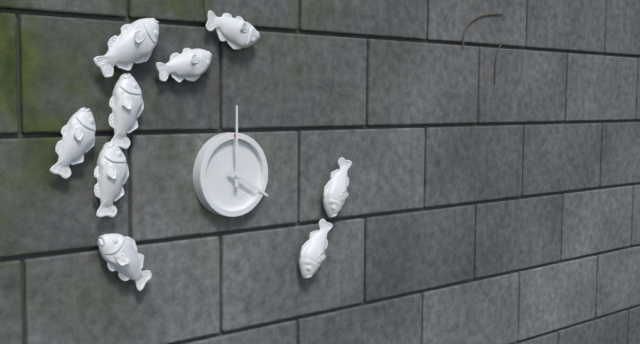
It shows {"hour": 4, "minute": 0}
